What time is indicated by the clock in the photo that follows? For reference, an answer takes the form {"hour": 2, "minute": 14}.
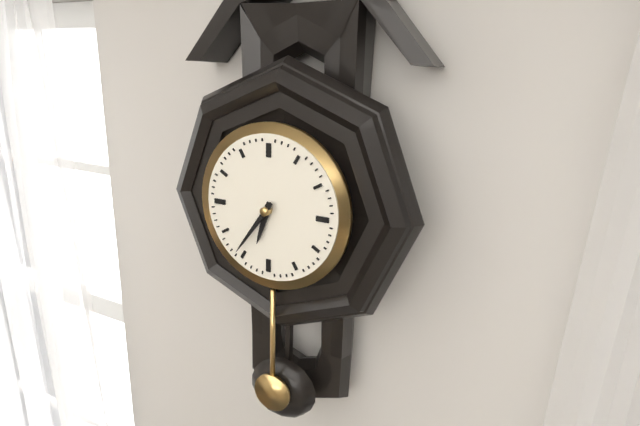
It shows {"hour": 6, "minute": 36}
